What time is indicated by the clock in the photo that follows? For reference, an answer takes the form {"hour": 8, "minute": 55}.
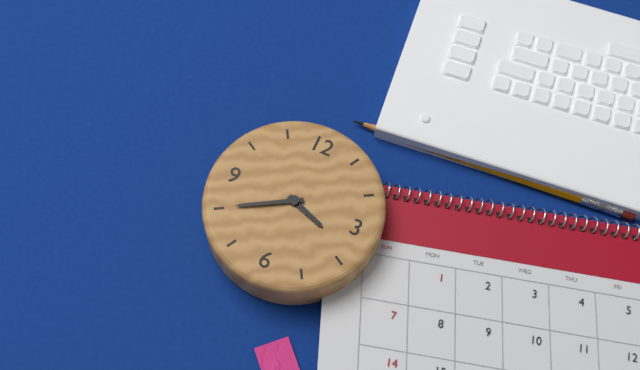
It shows {"hour": 3, "minute": 40}
